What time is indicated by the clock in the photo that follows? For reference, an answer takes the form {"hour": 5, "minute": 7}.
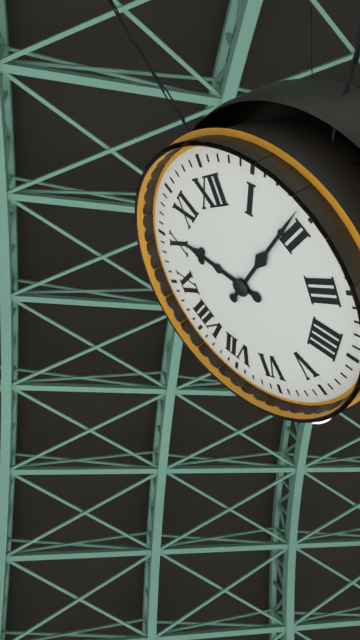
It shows {"hour": 10, "minute": 9}
